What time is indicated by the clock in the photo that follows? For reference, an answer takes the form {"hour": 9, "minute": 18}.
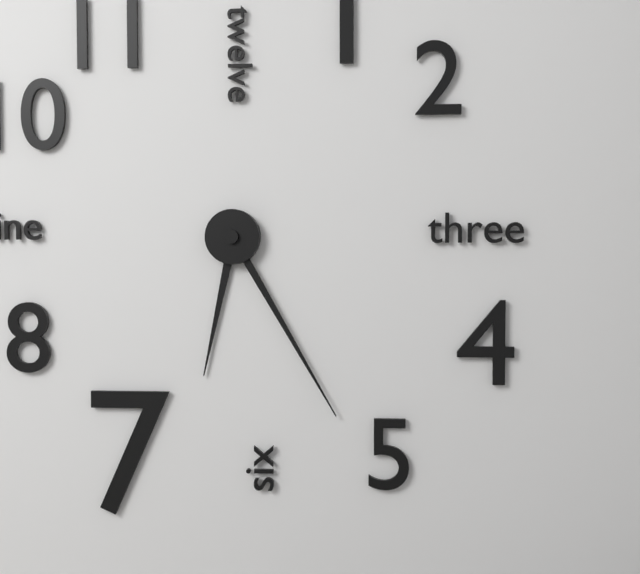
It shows {"hour": 6, "minute": 25}
